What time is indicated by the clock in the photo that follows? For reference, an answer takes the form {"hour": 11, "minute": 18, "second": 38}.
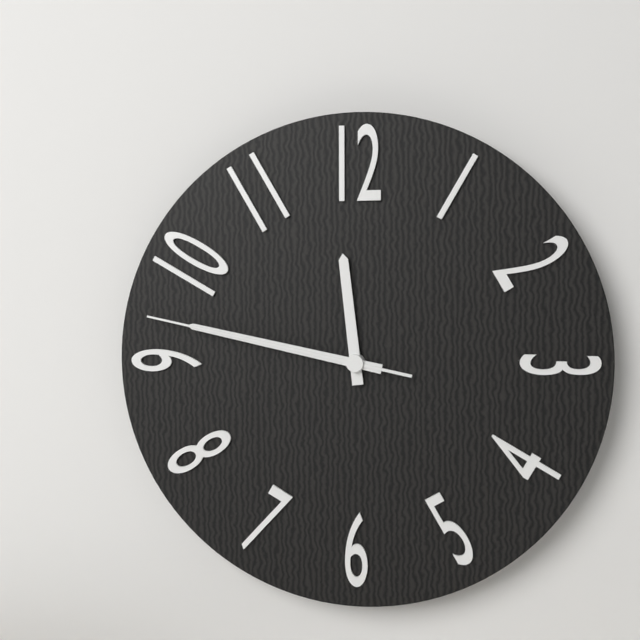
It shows {"hour": 11, "minute": 47, "second": 47}
